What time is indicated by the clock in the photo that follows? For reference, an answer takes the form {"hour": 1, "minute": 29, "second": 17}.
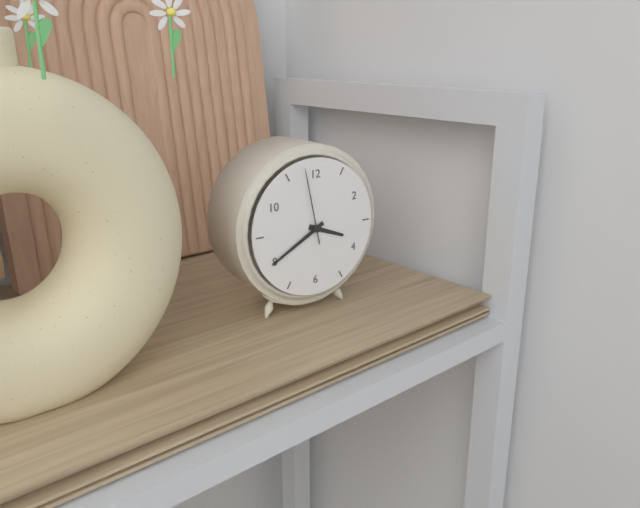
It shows {"hour": 3, "minute": 40, "second": 58}
